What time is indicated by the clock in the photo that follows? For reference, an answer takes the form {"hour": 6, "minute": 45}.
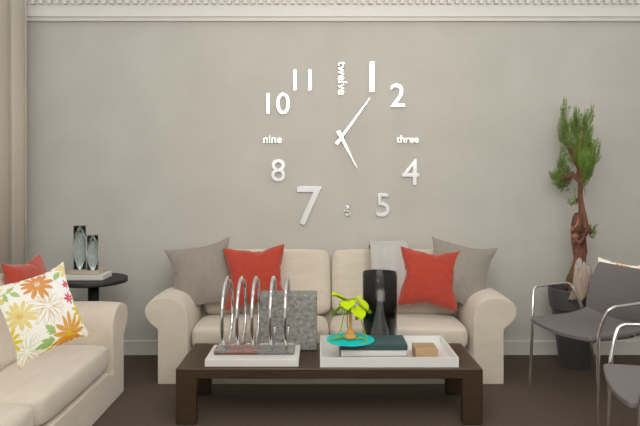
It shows {"hour": 5, "minute": 6}
